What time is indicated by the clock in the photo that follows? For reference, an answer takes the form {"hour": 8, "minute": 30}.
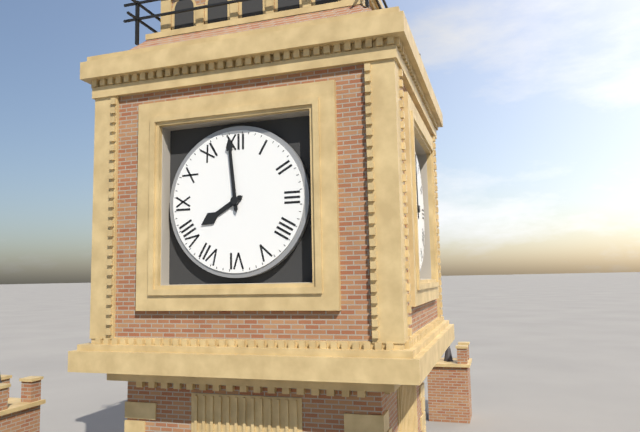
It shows {"hour": 7, "minute": 59}
